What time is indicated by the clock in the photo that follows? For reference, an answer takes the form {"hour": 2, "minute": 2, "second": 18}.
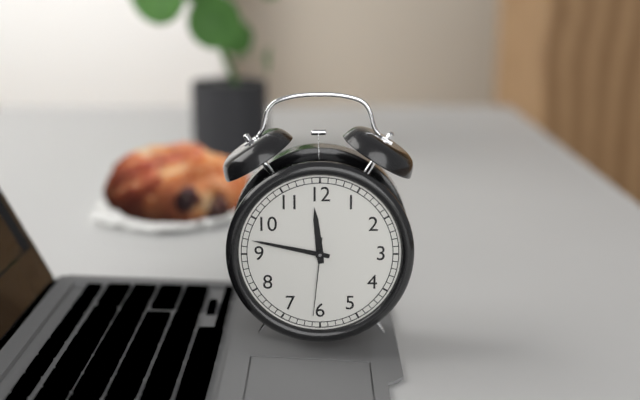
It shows {"hour": 11, "minute": 47, "second": 31}
